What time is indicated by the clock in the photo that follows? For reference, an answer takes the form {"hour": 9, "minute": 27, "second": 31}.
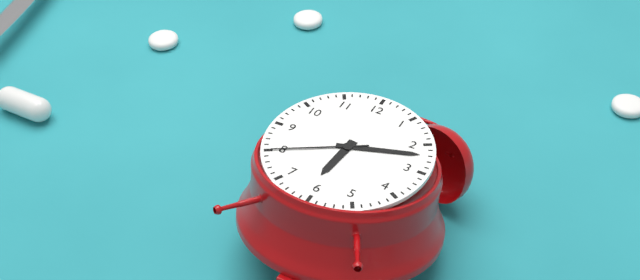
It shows {"hour": 6, "minute": 12, "second": 40}
